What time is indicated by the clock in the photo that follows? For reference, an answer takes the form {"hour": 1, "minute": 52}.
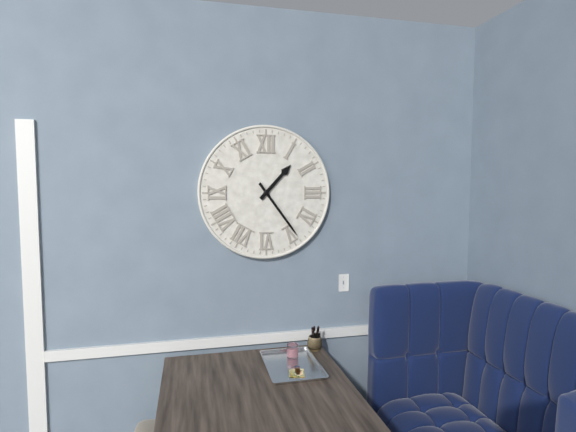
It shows {"hour": 1, "minute": 24}
